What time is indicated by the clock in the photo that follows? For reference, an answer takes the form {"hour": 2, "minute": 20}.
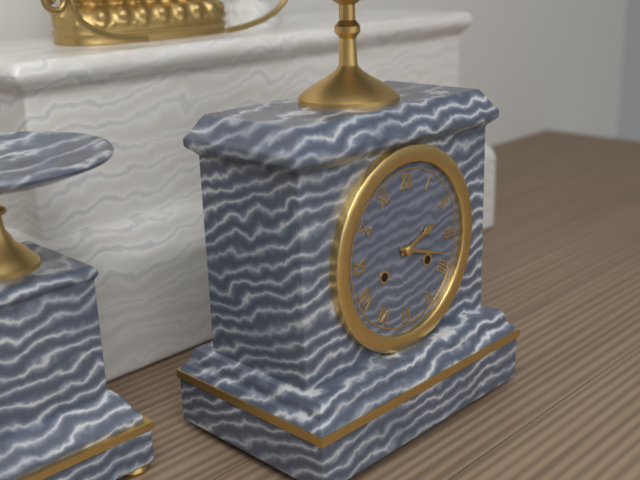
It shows {"hour": 2, "minute": 18}
